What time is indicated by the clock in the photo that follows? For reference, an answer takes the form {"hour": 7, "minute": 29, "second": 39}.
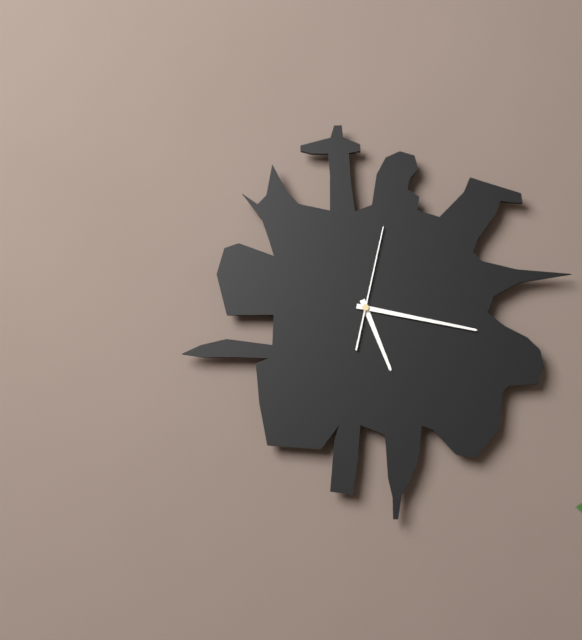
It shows {"hour": 5, "minute": 17, "second": 2}
